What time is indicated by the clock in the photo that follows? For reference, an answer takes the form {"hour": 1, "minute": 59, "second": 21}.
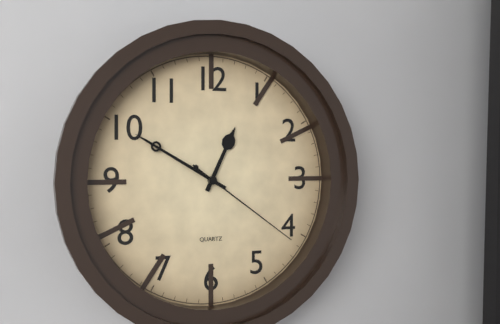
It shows {"hour": 12, "minute": 50, "second": 21}
